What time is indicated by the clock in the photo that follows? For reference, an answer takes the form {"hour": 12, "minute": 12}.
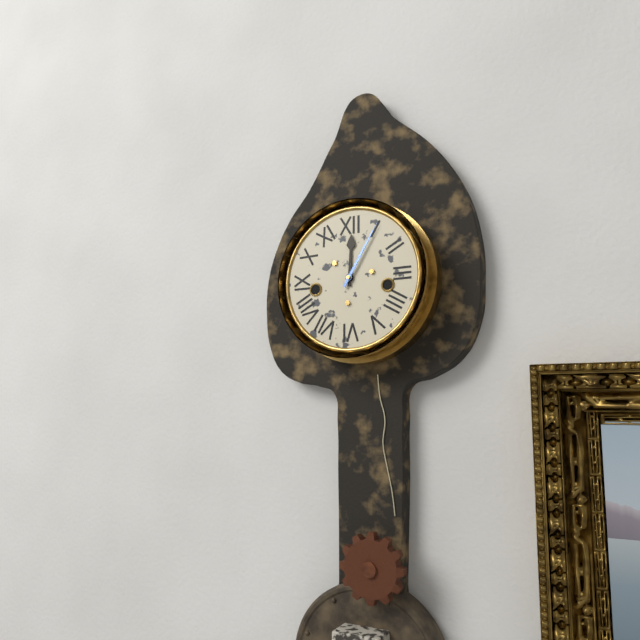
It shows {"hour": 12, "minute": 5}
